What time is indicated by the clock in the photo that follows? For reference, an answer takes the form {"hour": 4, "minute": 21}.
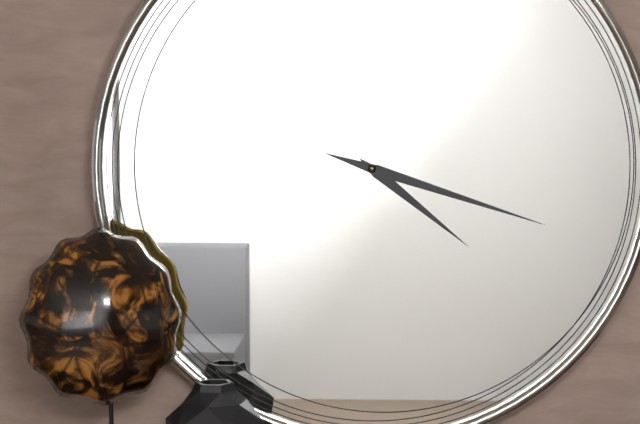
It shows {"hour": 4, "minute": 18}
